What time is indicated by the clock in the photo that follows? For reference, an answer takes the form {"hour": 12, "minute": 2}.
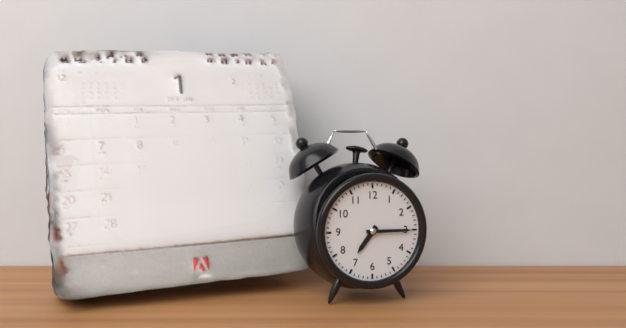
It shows {"hour": 7, "minute": 15}
